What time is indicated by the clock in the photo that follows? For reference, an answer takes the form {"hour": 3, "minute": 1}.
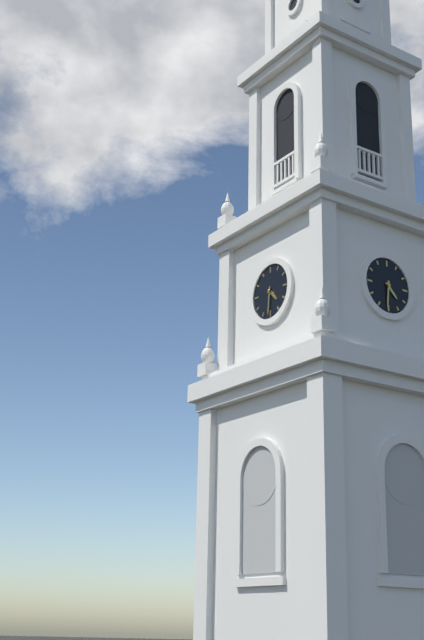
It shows {"hour": 4, "minute": 31}
